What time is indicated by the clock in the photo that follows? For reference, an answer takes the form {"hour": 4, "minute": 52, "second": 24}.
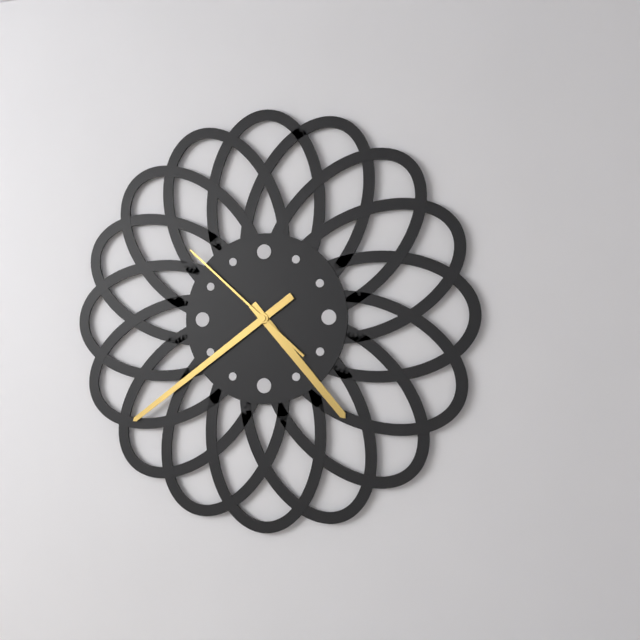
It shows {"hour": 4, "minute": 39, "second": 52}
